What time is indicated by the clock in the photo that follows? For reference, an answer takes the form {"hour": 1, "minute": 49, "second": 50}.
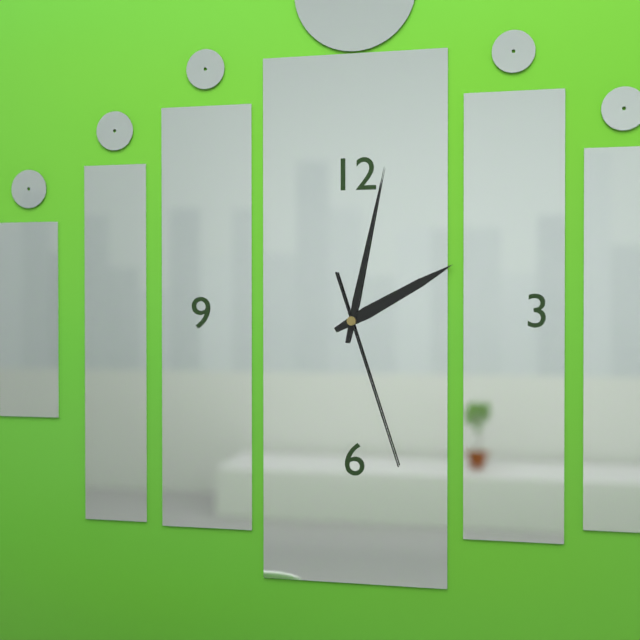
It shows {"hour": 2, "minute": 2, "second": 27}
